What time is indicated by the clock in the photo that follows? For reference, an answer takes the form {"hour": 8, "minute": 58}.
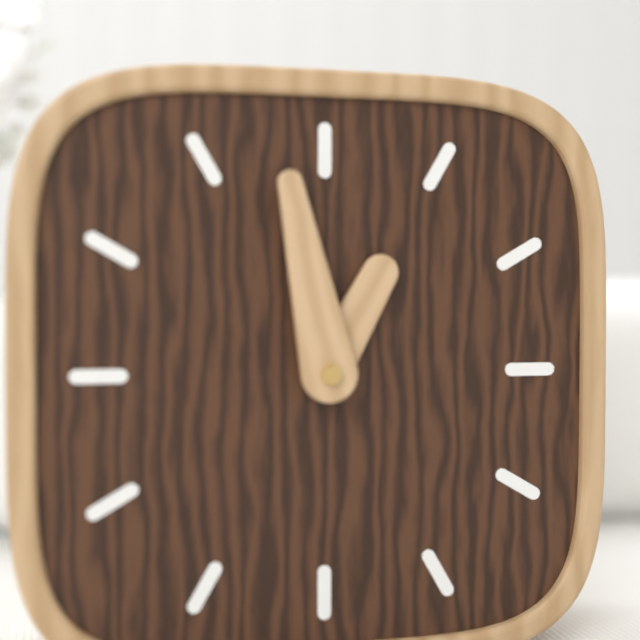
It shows {"hour": 12, "minute": 58}
